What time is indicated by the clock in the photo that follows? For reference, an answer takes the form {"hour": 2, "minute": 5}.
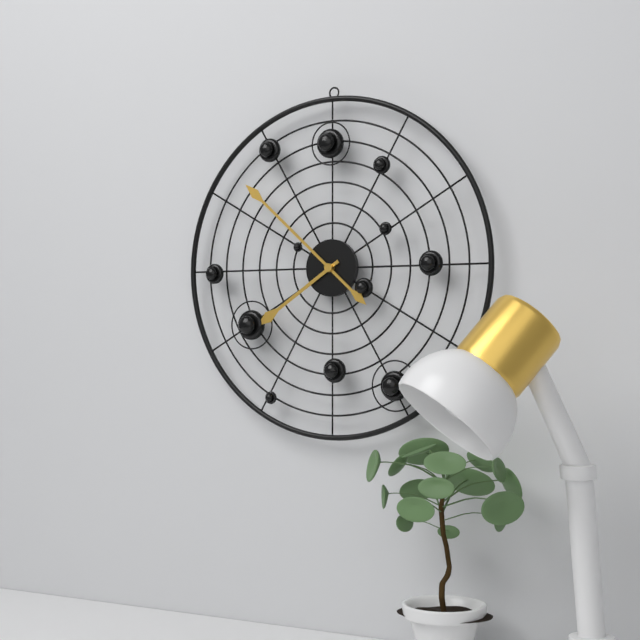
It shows {"hour": 7, "minute": 52}
